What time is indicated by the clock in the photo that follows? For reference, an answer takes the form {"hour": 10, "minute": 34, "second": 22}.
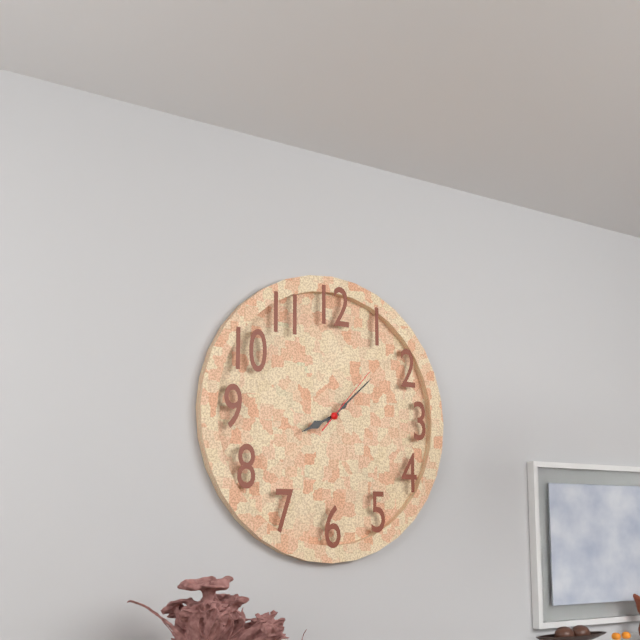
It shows {"hour": 8, "minute": 8, "second": 7}
